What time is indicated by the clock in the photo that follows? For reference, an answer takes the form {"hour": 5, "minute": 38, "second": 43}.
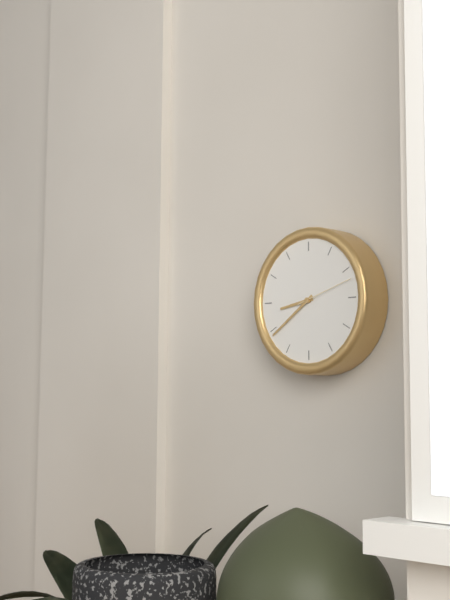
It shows {"hour": 8, "minute": 39, "second": 12}
